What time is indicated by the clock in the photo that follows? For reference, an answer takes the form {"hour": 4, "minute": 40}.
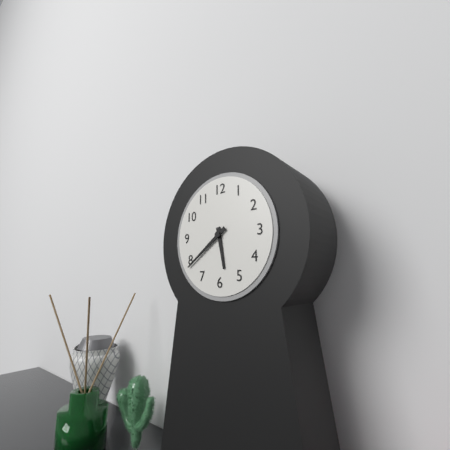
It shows {"hour": 5, "minute": 39}
